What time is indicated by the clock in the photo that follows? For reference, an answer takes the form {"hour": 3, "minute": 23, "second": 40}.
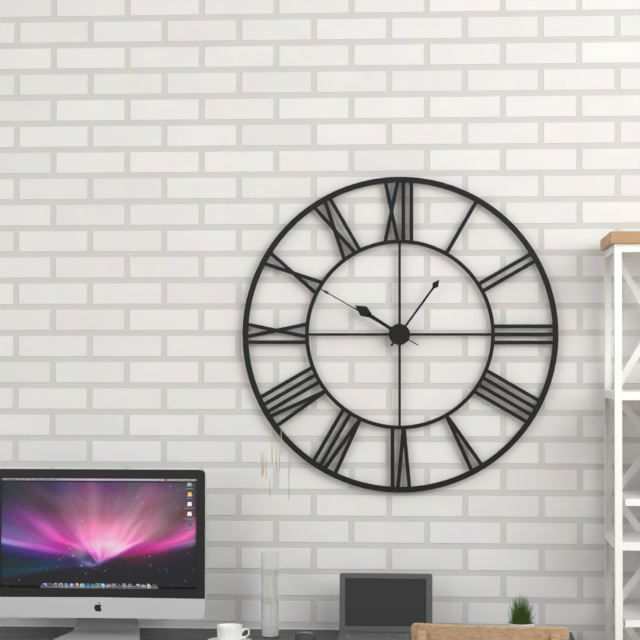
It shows {"hour": 10, "minute": 6, "second": 50}
